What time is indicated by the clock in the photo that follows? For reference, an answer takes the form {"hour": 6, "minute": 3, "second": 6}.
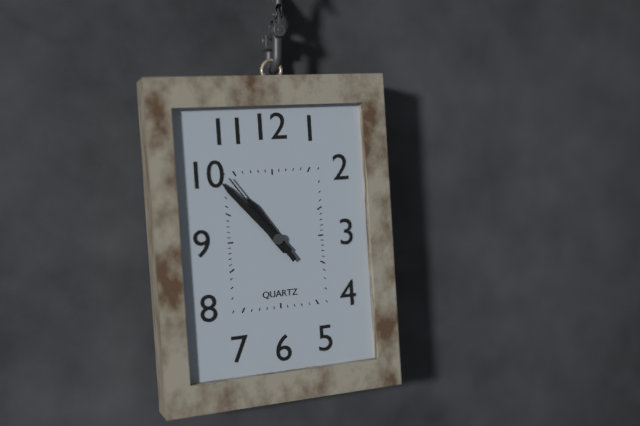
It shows {"hour": 10, "minute": 53, "second": 54}
